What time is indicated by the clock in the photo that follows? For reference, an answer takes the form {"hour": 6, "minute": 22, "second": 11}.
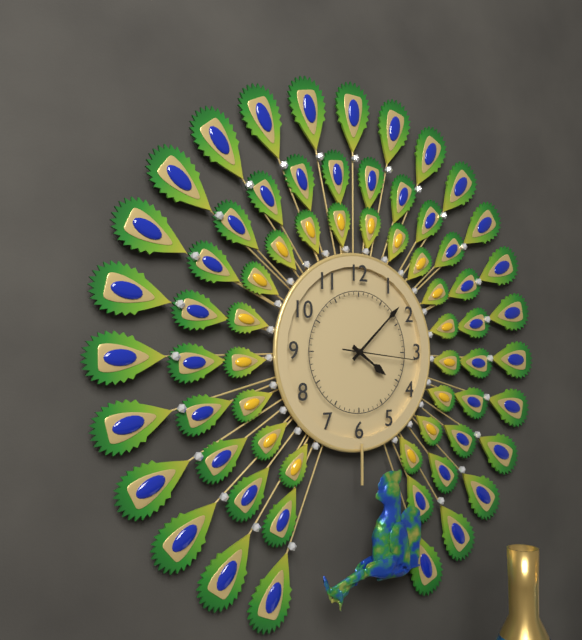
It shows {"hour": 4, "minute": 8, "second": 16}
